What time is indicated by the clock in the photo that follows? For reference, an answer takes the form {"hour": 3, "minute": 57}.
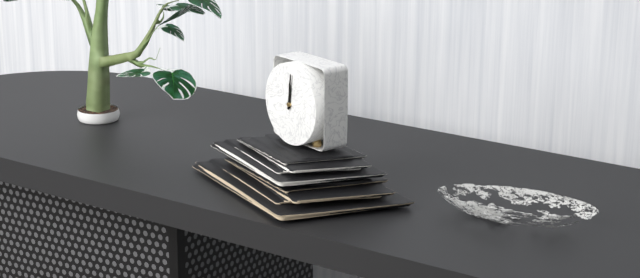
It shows {"hour": 12, "minute": 1}
